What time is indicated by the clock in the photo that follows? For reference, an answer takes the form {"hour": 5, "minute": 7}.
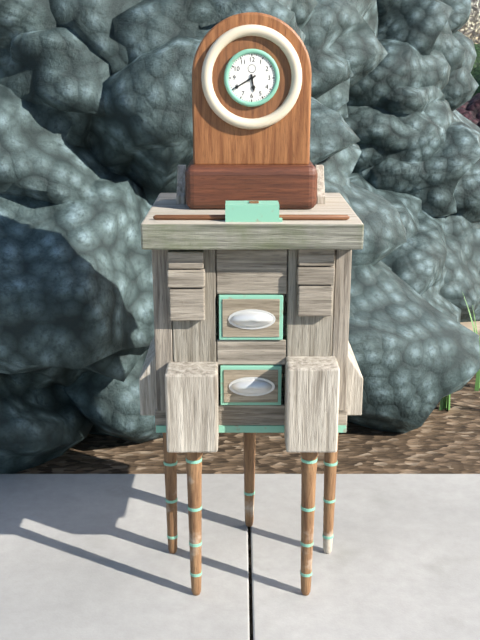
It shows {"hour": 5, "minute": 40}
